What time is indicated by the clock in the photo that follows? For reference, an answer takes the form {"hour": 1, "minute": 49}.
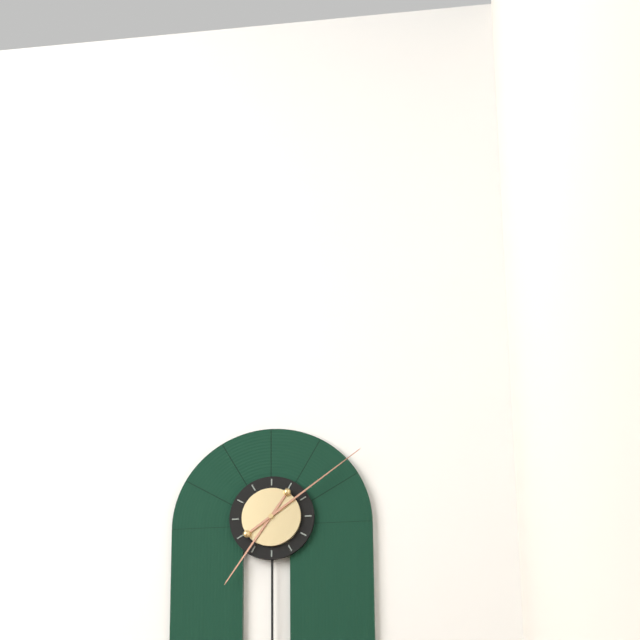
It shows {"hour": 7, "minute": 9}
